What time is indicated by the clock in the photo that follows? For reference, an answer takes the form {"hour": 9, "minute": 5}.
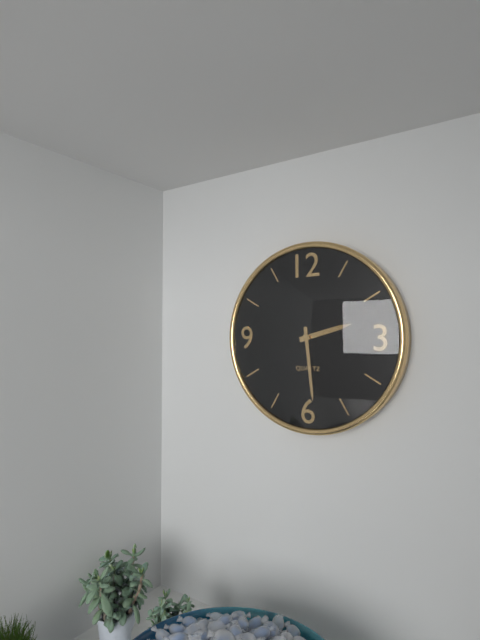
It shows {"hour": 2, "minute": 29}
